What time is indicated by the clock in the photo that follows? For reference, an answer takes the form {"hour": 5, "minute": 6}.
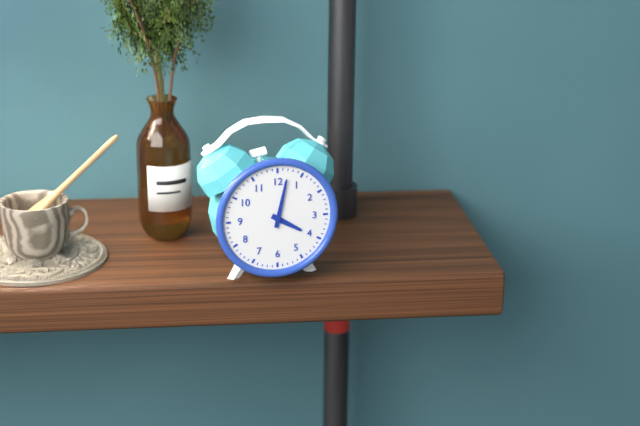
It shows {"hour": 4, "minute": 2}
